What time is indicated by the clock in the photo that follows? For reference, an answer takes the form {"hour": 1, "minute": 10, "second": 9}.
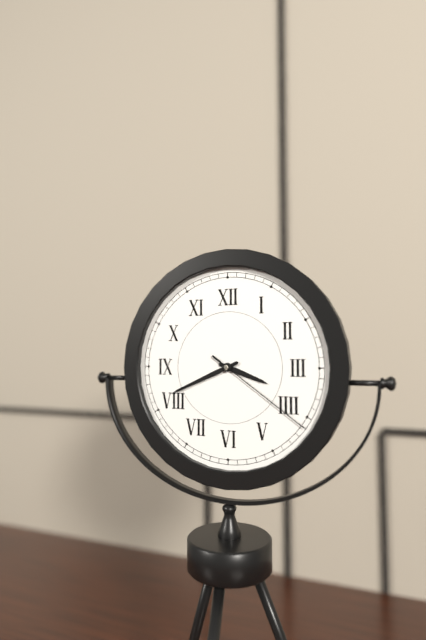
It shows {"hour": 3, "minute": 41, "second": 21}
